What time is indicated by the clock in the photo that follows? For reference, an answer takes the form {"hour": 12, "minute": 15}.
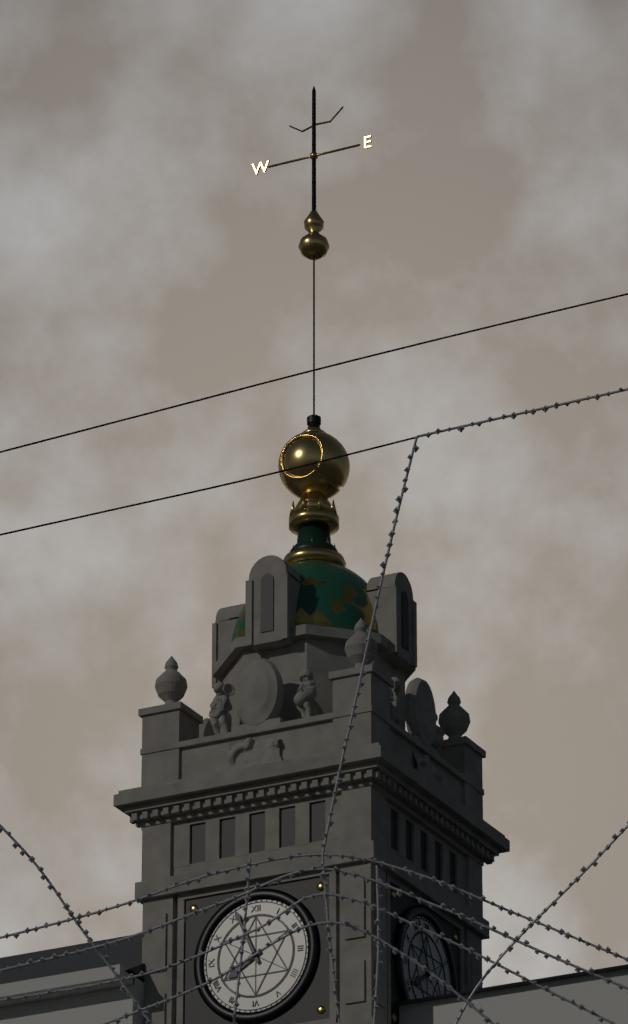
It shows {"hour": 7, "minute": 56}
